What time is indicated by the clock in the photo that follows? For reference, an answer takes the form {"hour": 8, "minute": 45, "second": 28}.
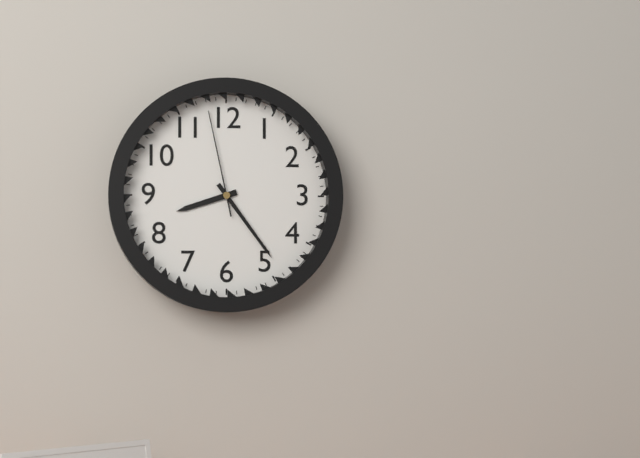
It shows {"hour": 8, "minute": 24, "second": 58}
